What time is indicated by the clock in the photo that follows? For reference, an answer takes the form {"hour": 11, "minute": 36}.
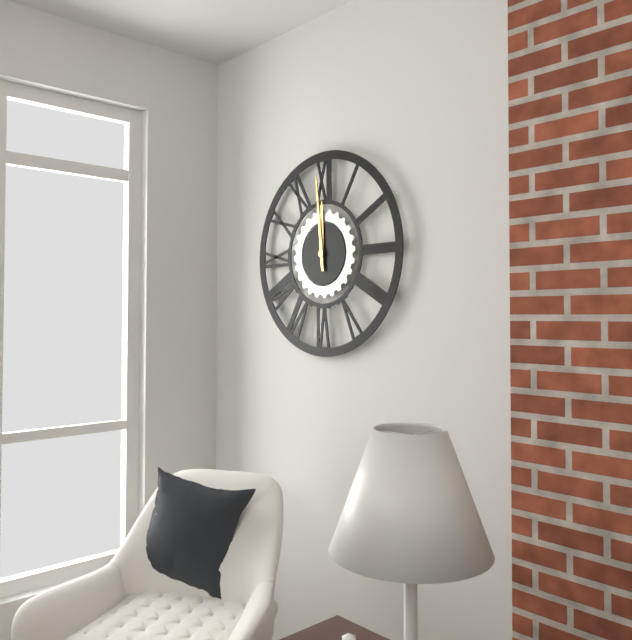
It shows {"hour": 11, "minute": 59}
